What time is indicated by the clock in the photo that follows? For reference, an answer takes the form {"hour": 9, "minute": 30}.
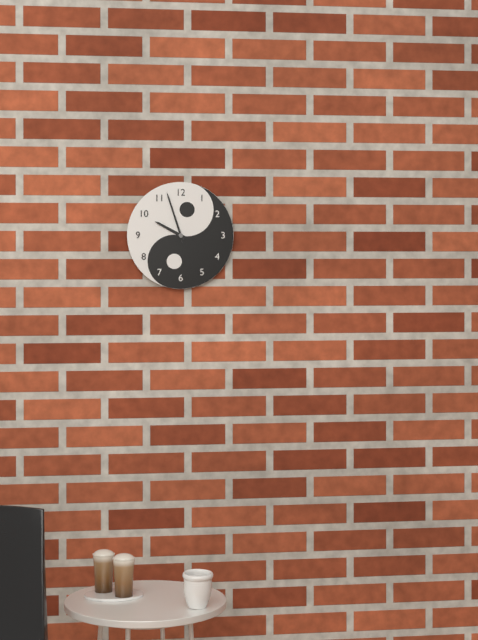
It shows {"hour": 9, "minute": 57}
